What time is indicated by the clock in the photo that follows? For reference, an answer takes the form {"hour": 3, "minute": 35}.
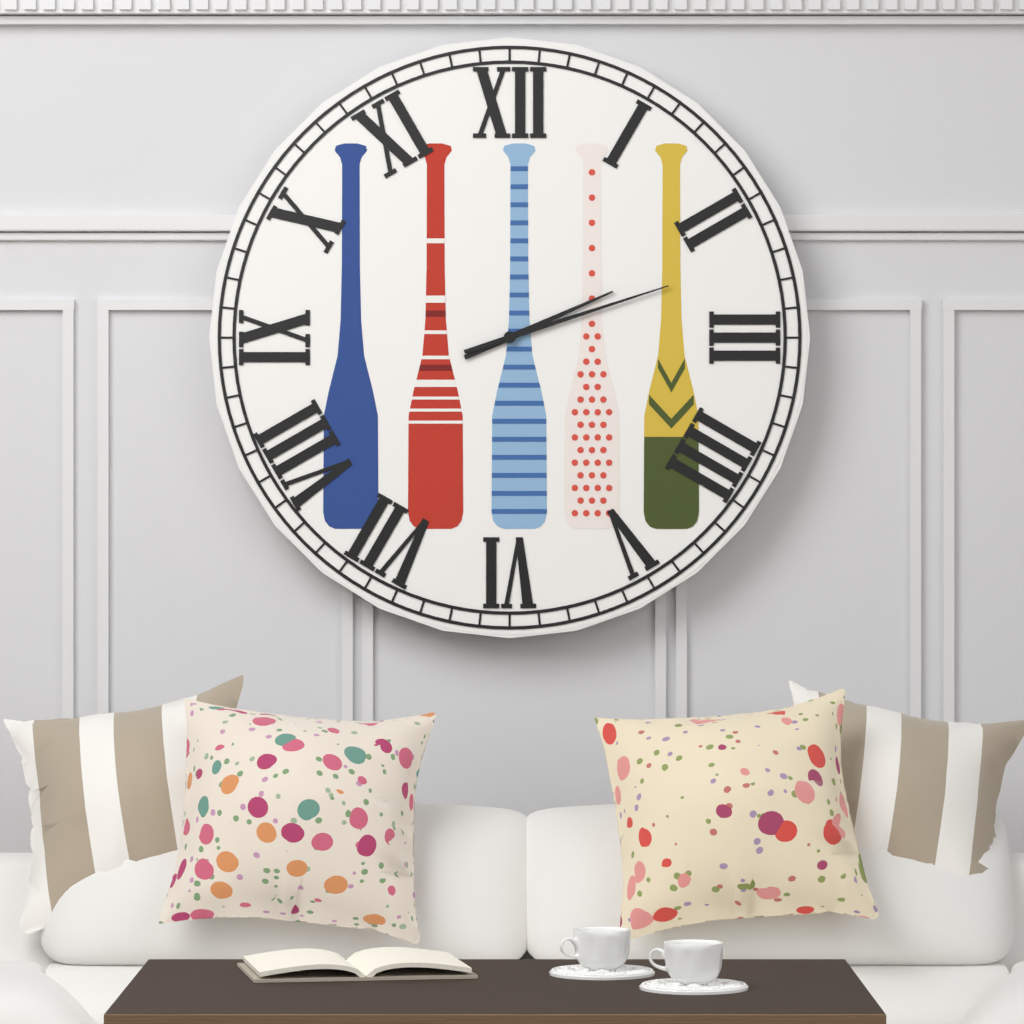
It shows {"hour": 2, "minute": 12}
